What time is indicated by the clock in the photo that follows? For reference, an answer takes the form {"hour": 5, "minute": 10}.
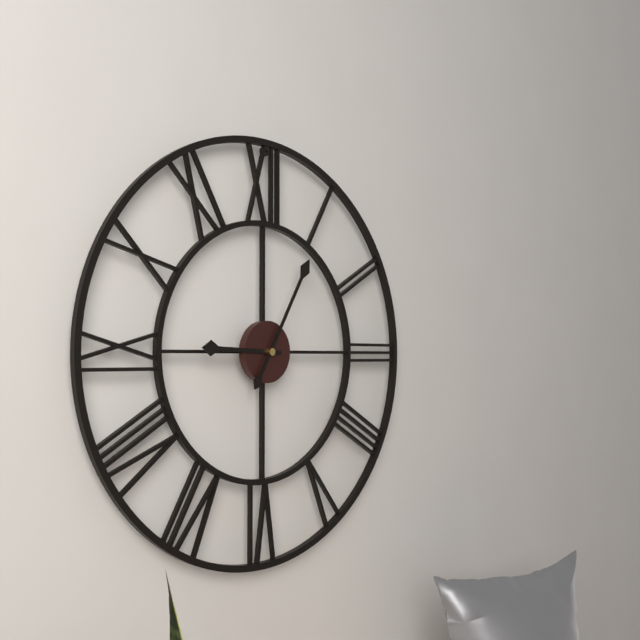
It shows {"hour": 9, "minute": 5}
